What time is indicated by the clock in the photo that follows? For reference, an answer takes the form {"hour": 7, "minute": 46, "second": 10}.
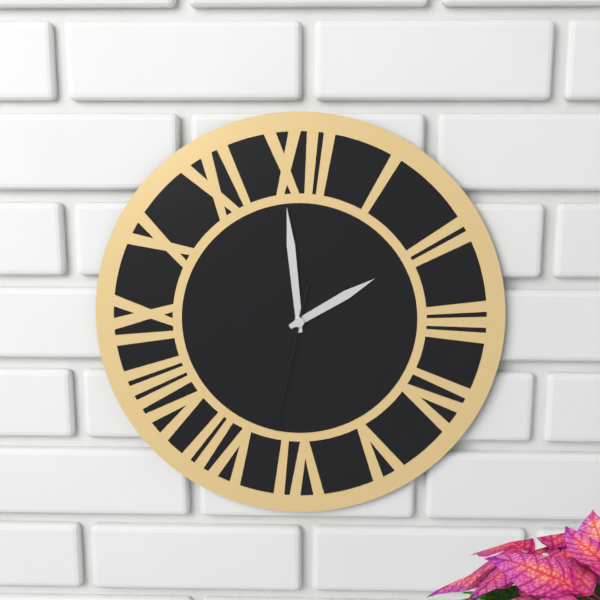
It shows {"hour": 1, "minute": 59, "second": 32}
